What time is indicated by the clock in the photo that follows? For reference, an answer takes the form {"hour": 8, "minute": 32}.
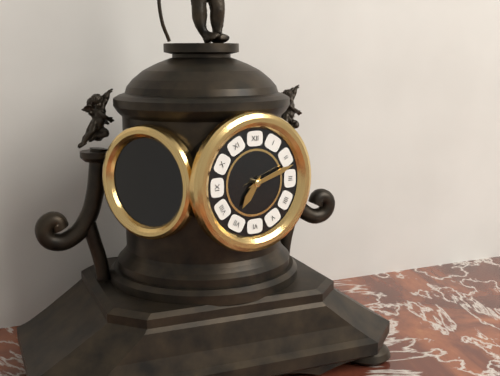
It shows {"hour": 7, "minute": 12}
